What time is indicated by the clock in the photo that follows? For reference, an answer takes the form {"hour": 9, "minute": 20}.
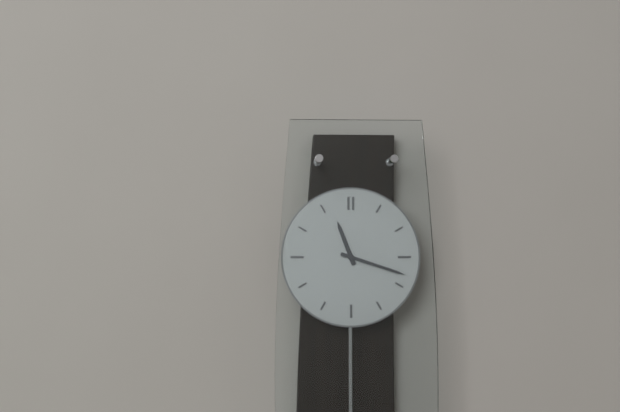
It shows {"hour": 11, "minute": 18}
